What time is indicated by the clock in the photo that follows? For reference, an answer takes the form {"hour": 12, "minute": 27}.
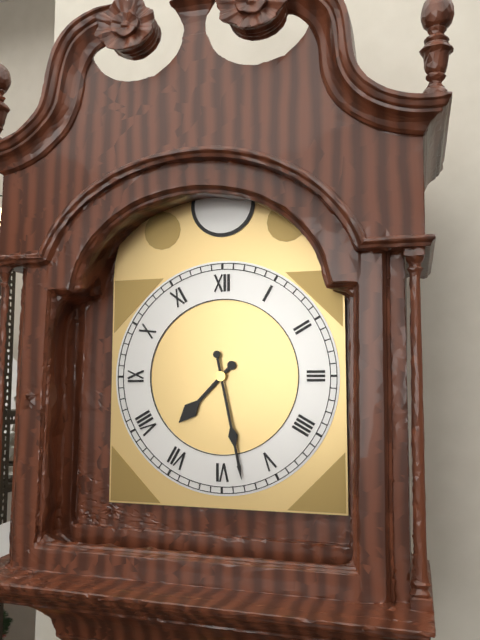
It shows {"hour": 7, "minute": 28}
